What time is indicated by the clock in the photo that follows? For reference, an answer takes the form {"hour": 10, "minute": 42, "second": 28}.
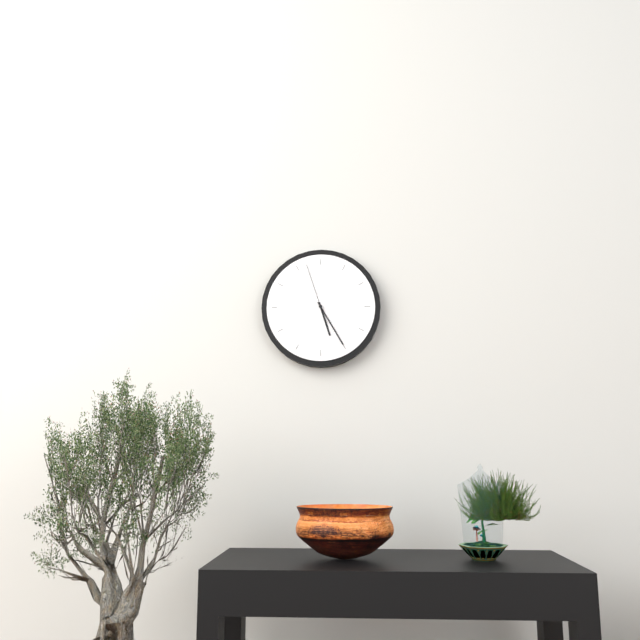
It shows {"hour": 5, "minute": 25, "second": 57}
